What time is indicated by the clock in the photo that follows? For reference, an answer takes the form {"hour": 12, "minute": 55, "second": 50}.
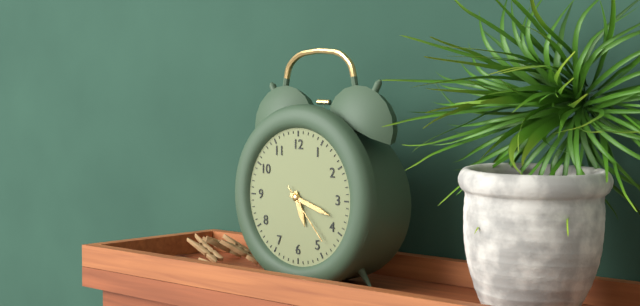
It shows {"hour": 5, "minute": 18, "second": 23}
